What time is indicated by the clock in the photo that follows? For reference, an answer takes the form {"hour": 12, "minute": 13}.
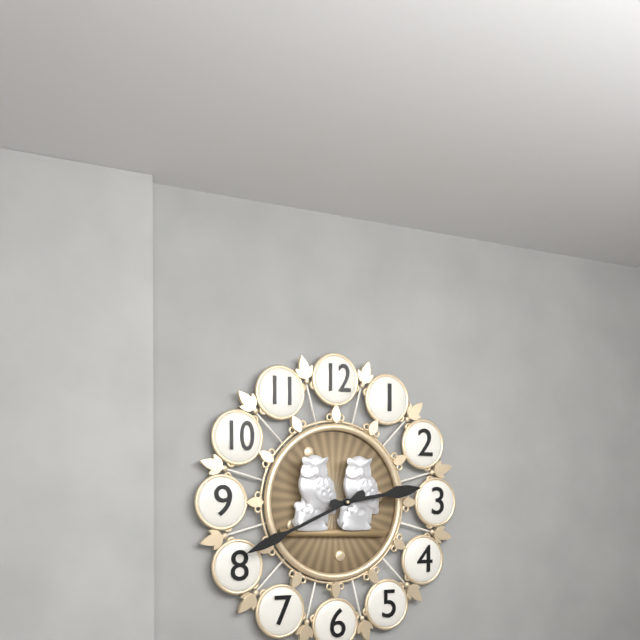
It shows {"hour": 2, "minute": 41}
